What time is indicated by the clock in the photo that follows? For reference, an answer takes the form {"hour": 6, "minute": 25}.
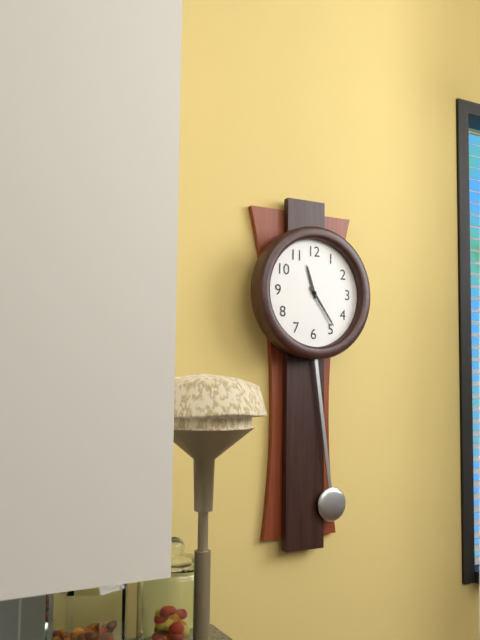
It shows {"hour": 11, "minute": 24}
